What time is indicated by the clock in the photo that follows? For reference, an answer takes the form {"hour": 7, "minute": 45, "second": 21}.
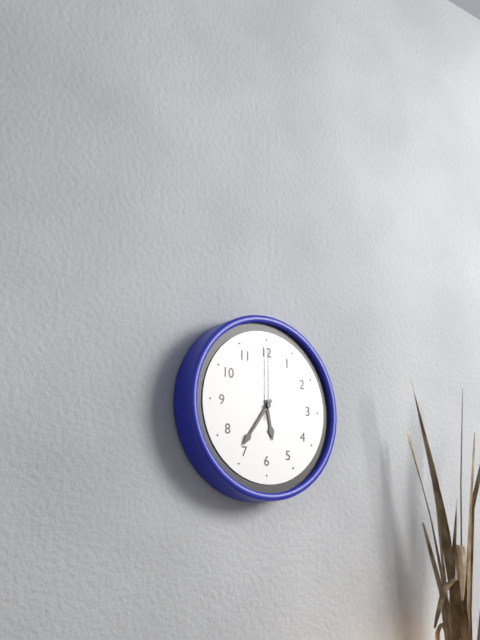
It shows {"hour": 5, "minute": 36, "second": 0}
